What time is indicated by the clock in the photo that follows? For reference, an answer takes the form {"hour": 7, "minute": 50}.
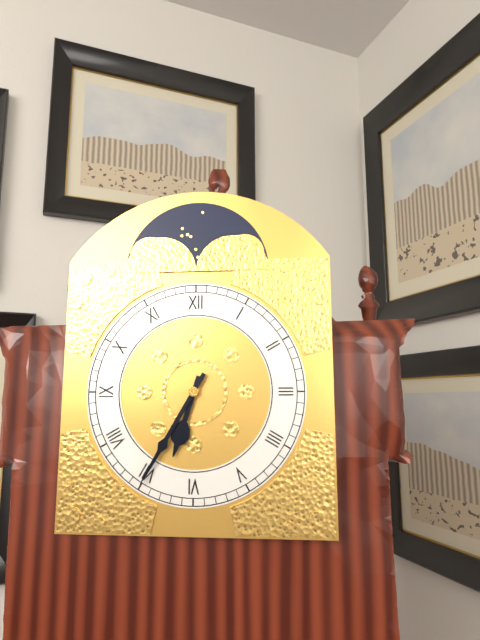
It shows {"hour": 6, "minute": 35}
